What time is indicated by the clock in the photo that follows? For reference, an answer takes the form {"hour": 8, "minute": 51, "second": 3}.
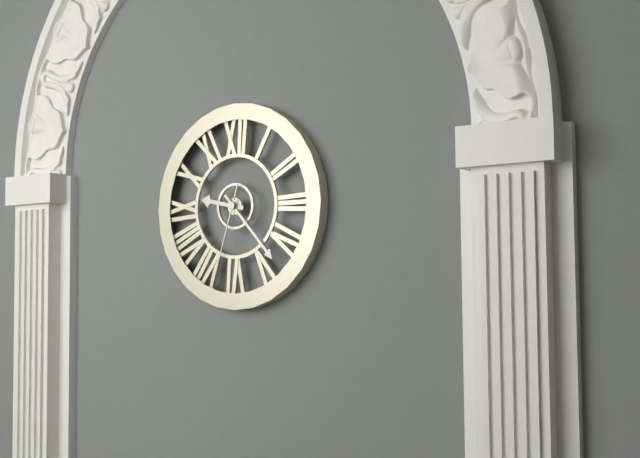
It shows {"hour": 9, "minute": 23, "second": 33}
